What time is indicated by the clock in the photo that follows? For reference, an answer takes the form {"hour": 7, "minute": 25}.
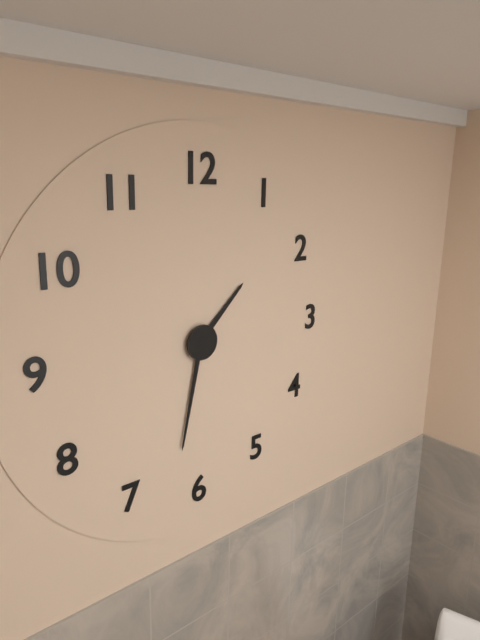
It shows {"hour": 1, "minute": 32}
